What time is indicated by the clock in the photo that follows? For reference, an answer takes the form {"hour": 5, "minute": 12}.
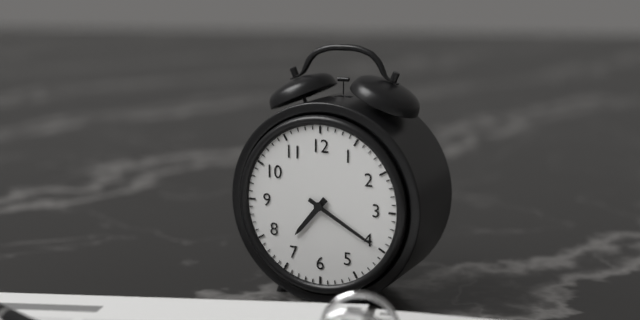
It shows {"hour": 7, "minute": 20}
